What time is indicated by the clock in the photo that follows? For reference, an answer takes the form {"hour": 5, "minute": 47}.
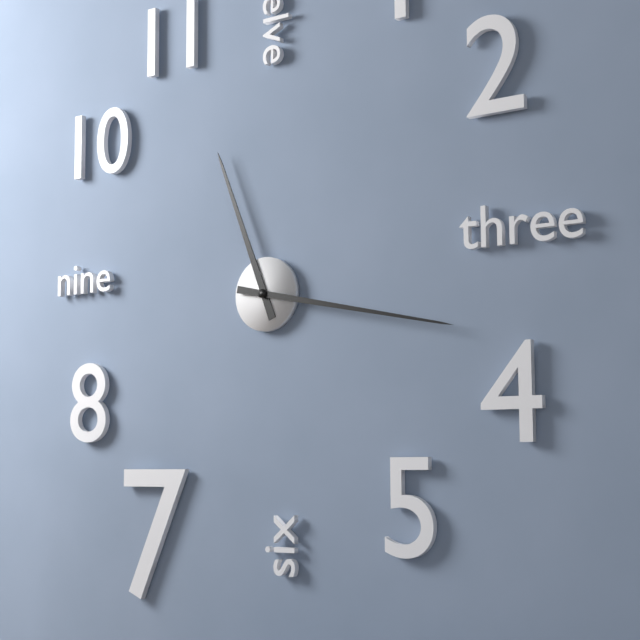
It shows {"hour": 11, "minute": 17}
